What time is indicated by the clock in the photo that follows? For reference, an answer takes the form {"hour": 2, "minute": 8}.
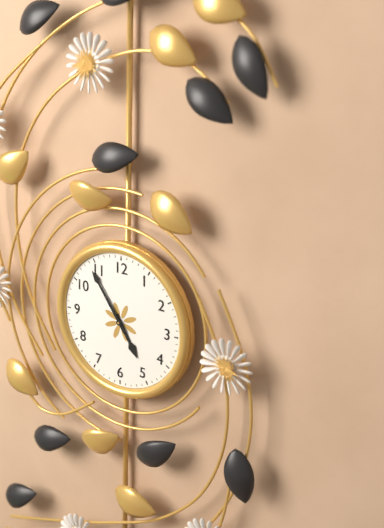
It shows {"hour": 4, "minute": 54}
